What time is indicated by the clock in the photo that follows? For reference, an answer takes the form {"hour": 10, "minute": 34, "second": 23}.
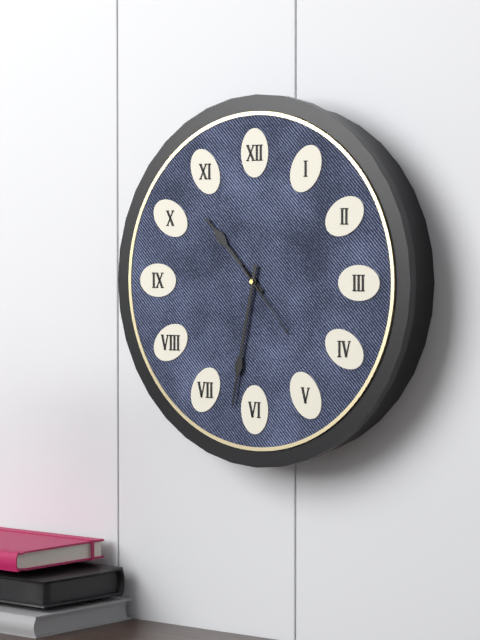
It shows {"hour": 10, "minute": 32, "second": 23}
